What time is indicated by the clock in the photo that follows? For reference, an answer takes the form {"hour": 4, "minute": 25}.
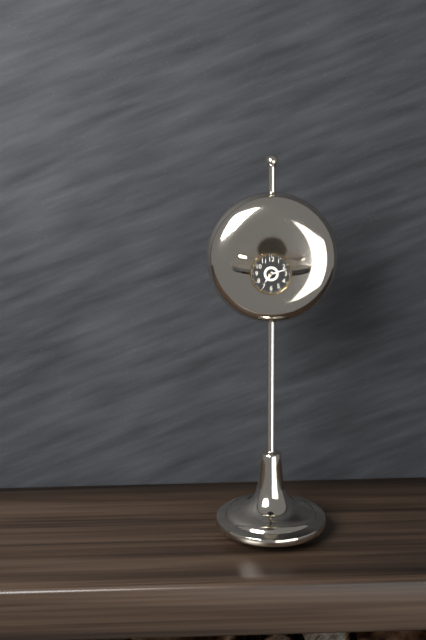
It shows {"hour": 7, "minute": 12}
